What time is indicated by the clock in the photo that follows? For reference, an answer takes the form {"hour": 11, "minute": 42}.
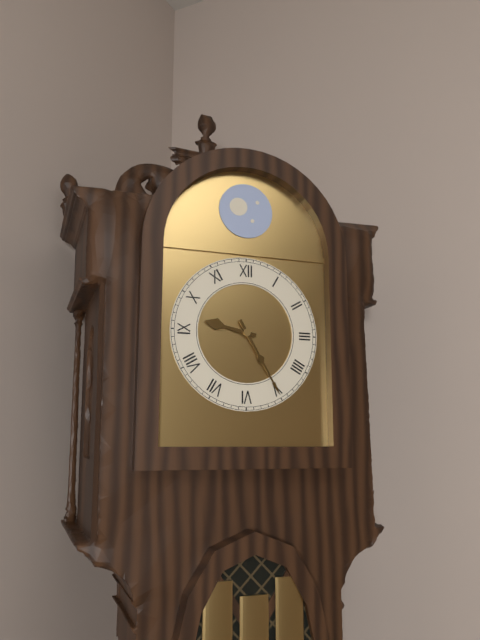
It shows {"hour": 9, "minute": 25}
